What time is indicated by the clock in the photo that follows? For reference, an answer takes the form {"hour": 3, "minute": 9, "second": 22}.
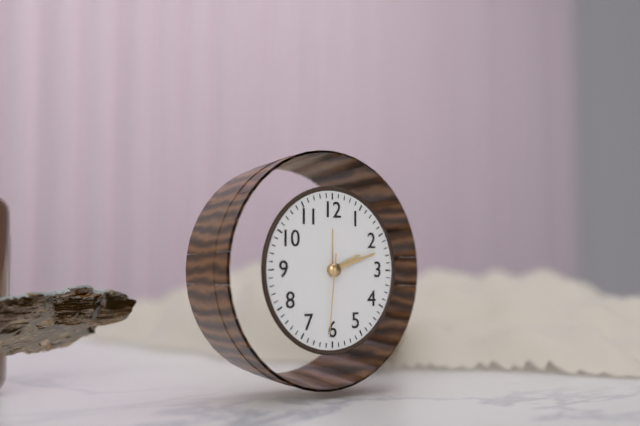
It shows {"hour": 2, "minute": 12, "second": 31}
